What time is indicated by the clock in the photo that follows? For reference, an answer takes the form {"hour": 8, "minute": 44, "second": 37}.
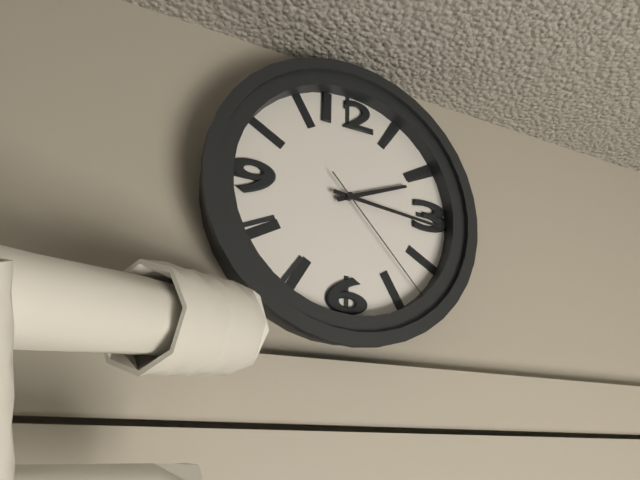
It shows {"hour": 2, "minute": 16, "second": 23}
